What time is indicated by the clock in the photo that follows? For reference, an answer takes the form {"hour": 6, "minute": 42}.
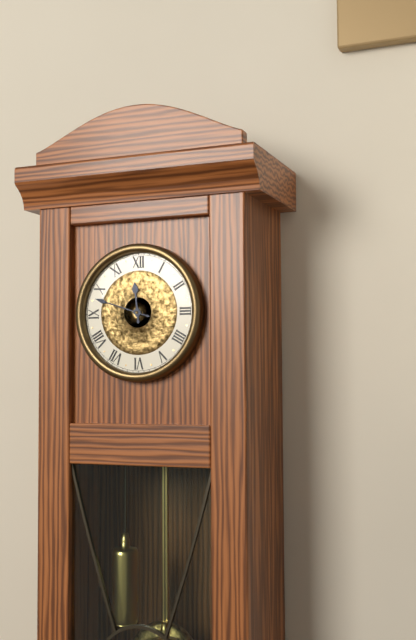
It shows {"hour": 11, "minute": 48}
